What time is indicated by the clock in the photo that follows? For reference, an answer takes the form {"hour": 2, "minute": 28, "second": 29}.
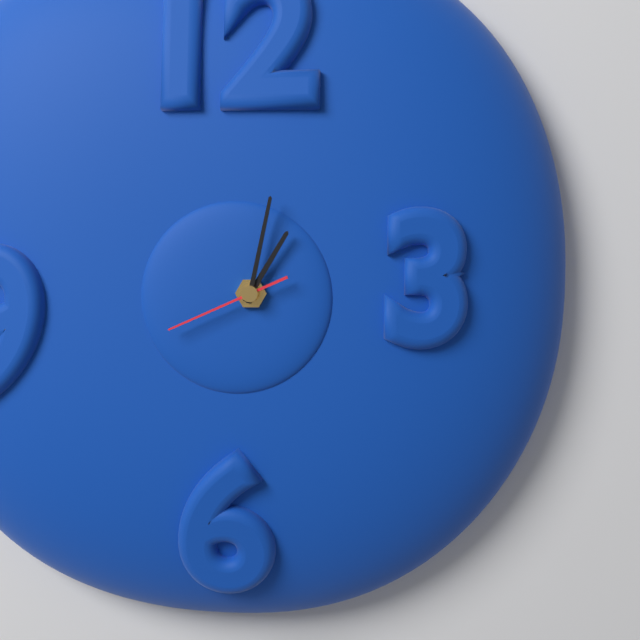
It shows {"hour": 1, "minute": 2, "second": 41}
